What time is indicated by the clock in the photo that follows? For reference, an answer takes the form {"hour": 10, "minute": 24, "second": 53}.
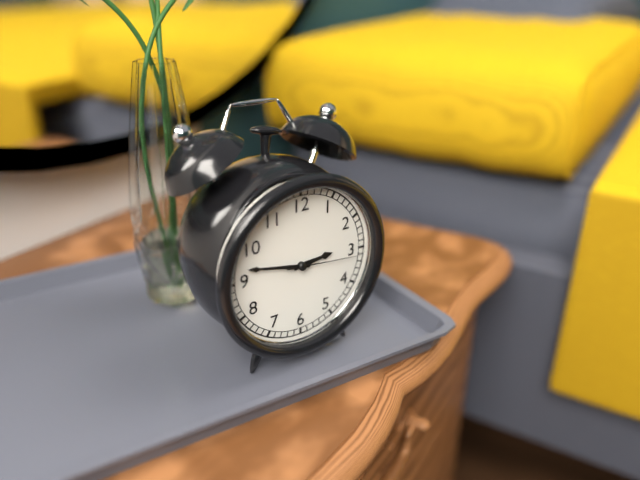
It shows {"hour": 2, "minute": 47, "second": 16}
